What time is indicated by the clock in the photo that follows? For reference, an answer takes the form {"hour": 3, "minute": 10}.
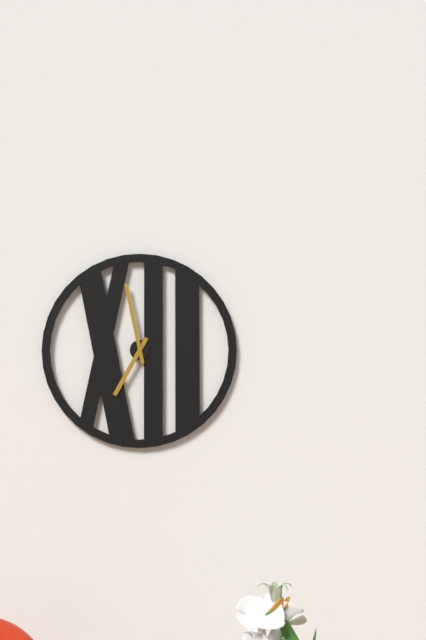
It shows {"hour": 6, "minute": 58}
